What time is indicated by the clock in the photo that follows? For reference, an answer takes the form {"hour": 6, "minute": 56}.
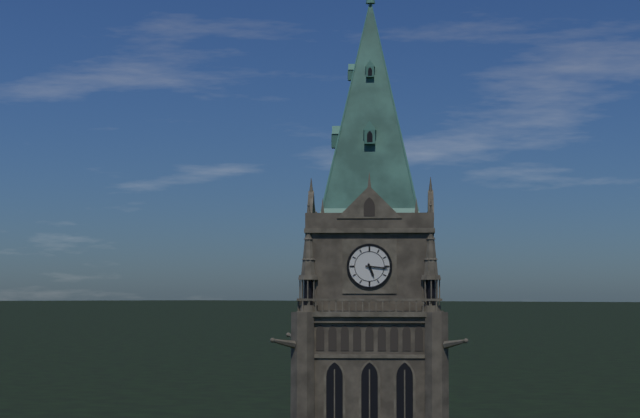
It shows {"hour": 5, "minute": 16}
